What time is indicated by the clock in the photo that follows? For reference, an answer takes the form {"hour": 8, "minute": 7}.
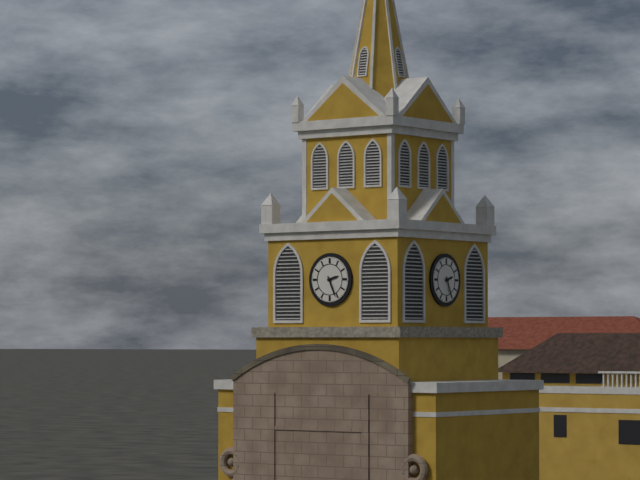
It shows {"hour": 2, "minute": 26}
